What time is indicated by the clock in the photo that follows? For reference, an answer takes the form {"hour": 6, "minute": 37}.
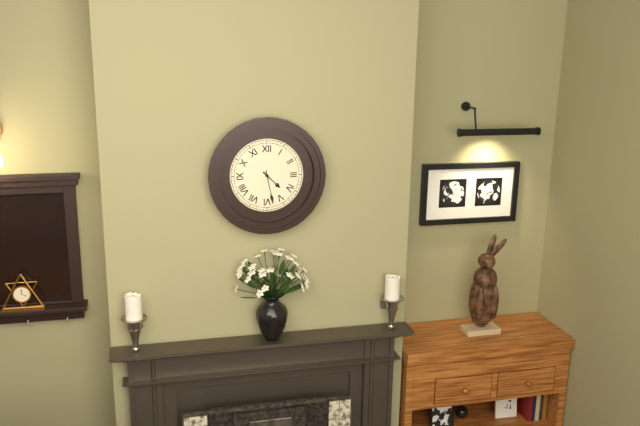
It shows {"hour": 4, "minute": 28}
